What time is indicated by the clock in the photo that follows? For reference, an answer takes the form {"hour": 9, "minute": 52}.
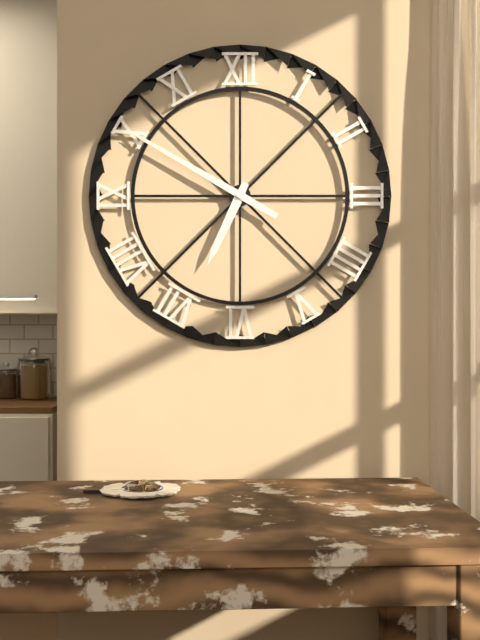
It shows {"hour": 6, "minute": 50}
